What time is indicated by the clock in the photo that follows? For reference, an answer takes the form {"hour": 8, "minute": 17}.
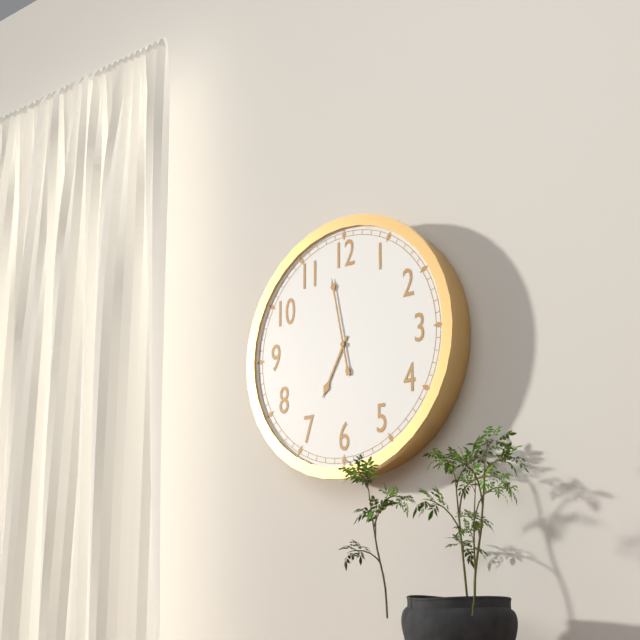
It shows {"hour": 6, "minute": 58}
